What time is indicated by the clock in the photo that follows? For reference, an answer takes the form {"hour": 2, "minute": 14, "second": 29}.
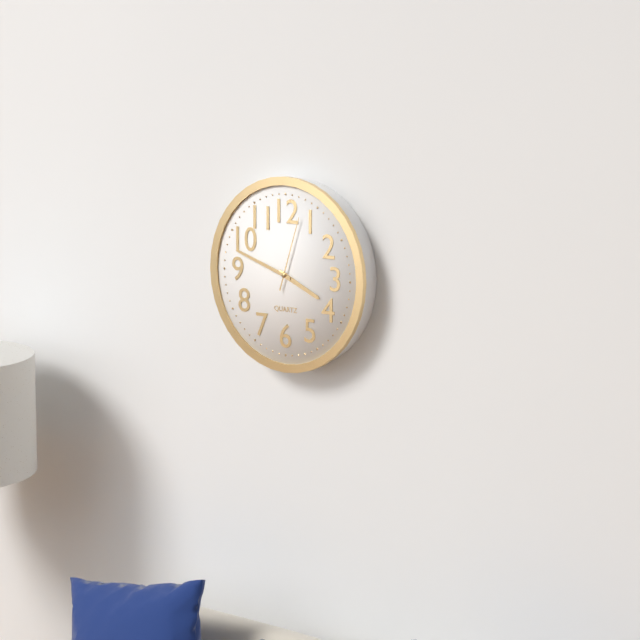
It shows {"hour": 3, "minute": 48, "second": 3}
